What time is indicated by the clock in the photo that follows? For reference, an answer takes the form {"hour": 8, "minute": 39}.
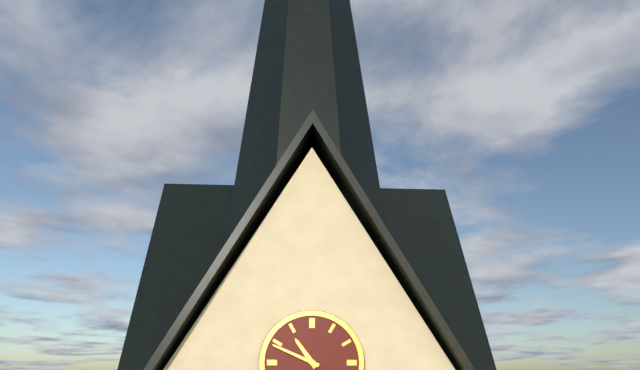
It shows {"hour": 10, "minute": 49}
